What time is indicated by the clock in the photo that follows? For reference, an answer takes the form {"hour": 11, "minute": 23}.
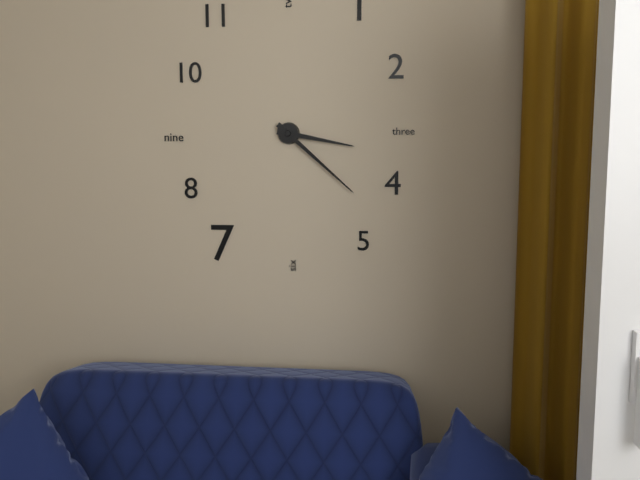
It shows {"hour": 3, "minute": 22}
